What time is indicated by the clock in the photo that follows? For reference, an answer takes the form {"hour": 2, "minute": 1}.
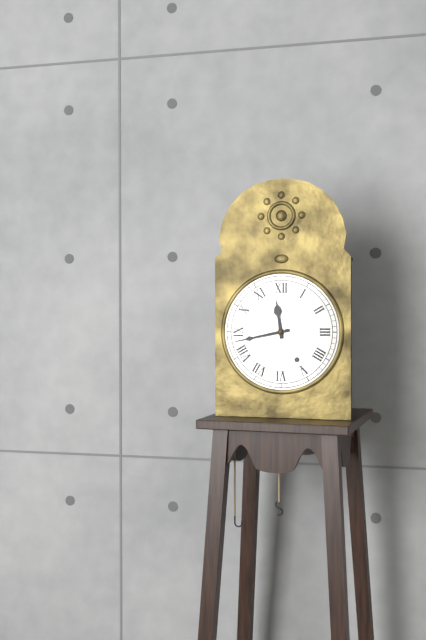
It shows {"hour": 11, "minute": 43}
